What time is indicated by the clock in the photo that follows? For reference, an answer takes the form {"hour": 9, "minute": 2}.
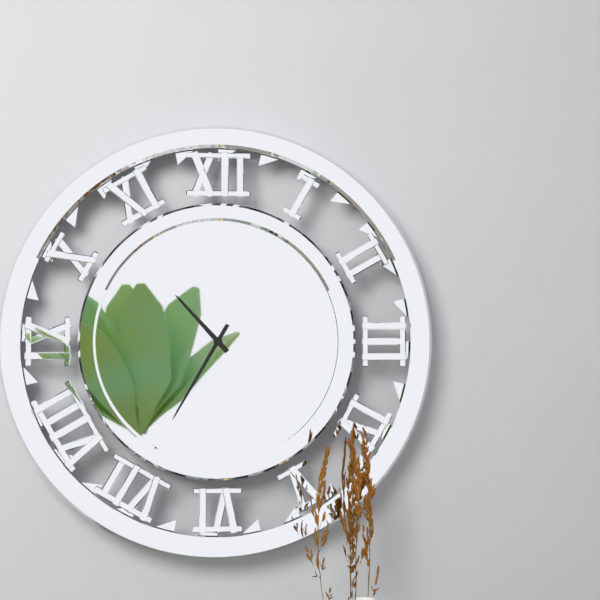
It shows {"hour": 10, "minute": 35}
